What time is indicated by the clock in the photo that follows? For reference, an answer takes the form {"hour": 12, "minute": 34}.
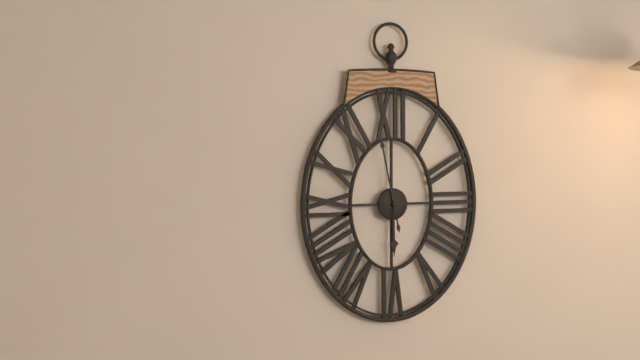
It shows {"hour": 5, "minute": 58}
